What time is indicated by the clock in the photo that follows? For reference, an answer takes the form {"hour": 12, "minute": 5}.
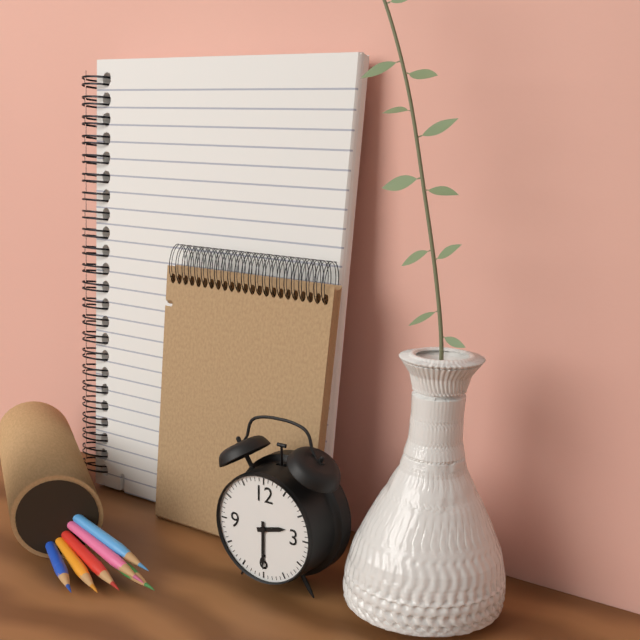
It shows {"hour": 2, "minute": 30}
